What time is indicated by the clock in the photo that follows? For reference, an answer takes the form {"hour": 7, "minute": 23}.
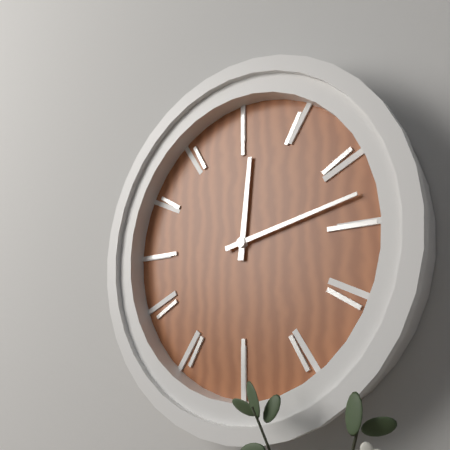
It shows {"hour": 12, "minute": 13}
